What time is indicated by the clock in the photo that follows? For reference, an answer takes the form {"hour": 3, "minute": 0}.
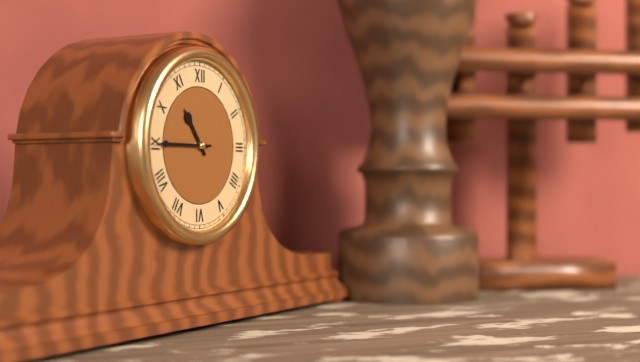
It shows {"hour": 10, "minute": 45}
